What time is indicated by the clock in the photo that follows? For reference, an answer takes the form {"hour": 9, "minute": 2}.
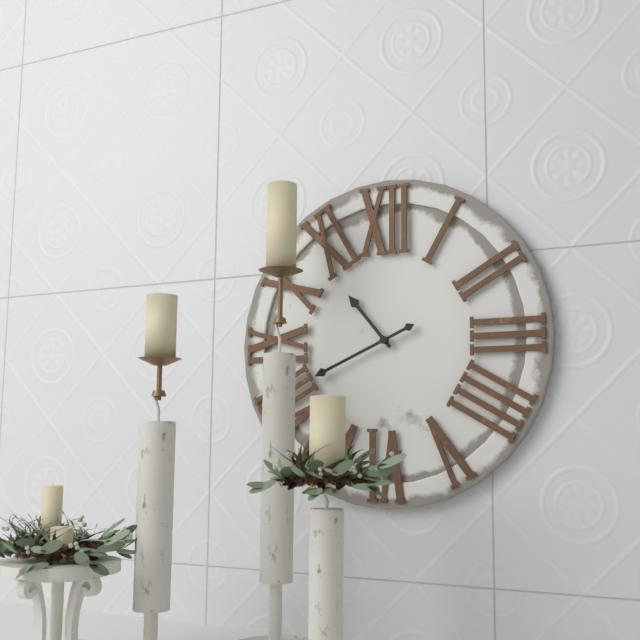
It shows {"hour": 10, "minute": 41}
